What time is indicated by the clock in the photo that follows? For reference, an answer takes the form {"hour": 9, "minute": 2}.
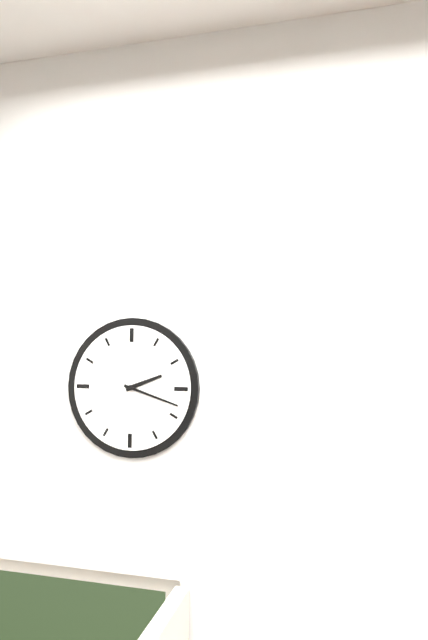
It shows {"hour": 2, "minute": 18}
